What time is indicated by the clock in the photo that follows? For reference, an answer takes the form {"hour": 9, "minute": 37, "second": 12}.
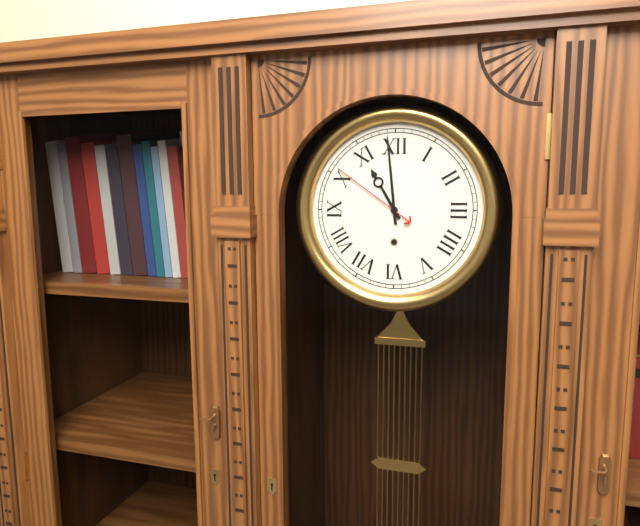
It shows {"hour": 10, "minute": 59, "second": 51}
